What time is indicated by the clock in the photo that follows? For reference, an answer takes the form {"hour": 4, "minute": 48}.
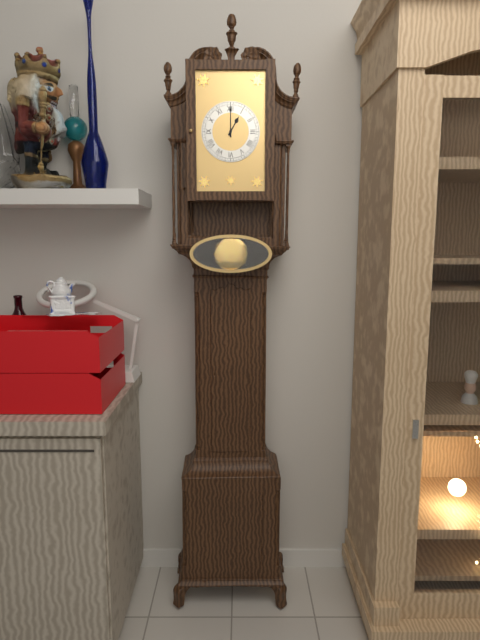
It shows {"hour": 1, "minute": 0}
